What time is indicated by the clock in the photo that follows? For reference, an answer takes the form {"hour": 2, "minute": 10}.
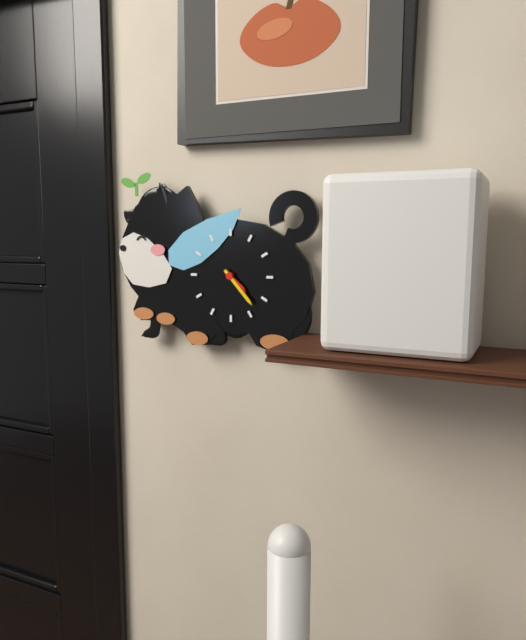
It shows {"hour": 4, "minute": 23}
